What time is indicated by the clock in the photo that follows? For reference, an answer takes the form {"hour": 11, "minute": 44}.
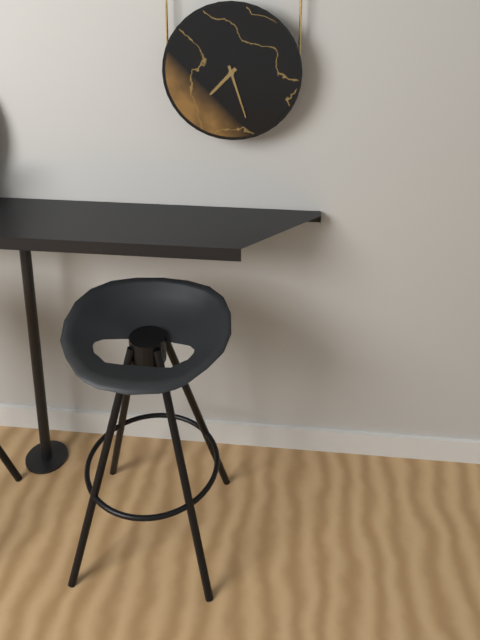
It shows {"hour": 7, "minute": 27}
